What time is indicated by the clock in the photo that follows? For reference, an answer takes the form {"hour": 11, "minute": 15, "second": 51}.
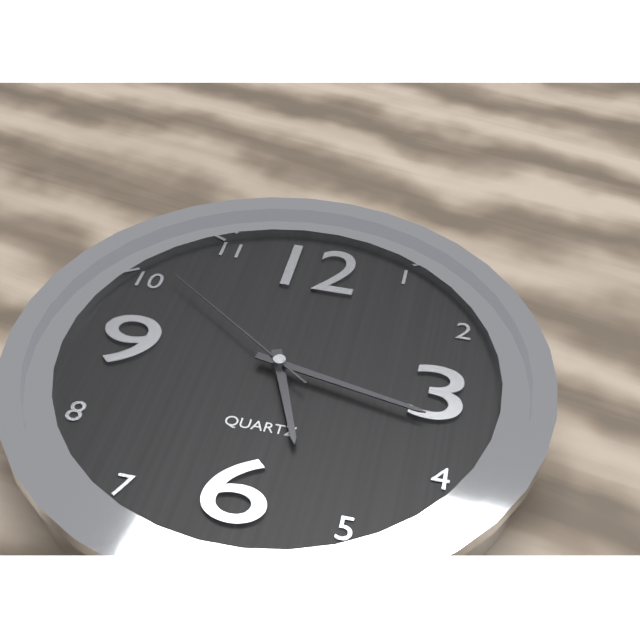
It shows {"hour": 5, "minute": 17, "second": 51}
